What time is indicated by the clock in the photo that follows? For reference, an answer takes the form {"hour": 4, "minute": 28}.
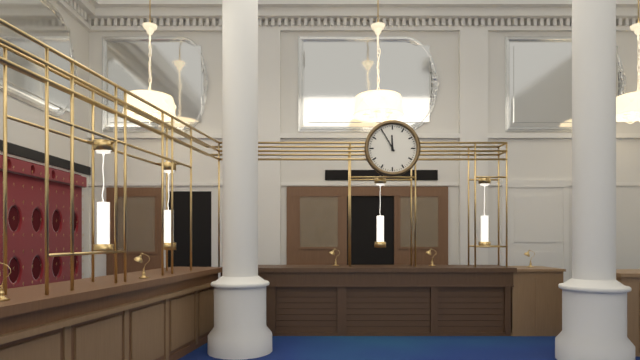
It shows {"hour": 11, "minute": 55}
